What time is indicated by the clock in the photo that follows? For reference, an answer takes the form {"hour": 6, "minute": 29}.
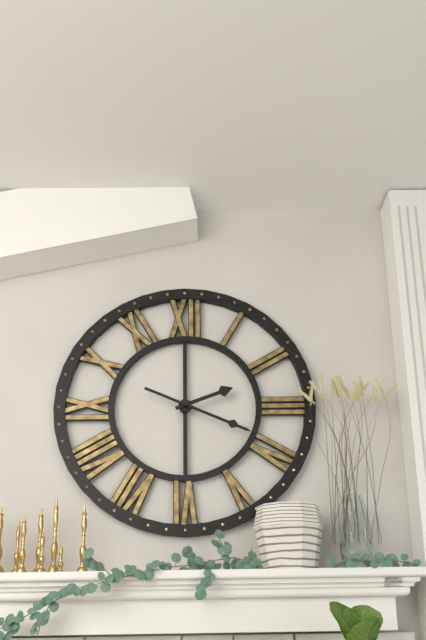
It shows {"hour": 2, "minute": 19}
